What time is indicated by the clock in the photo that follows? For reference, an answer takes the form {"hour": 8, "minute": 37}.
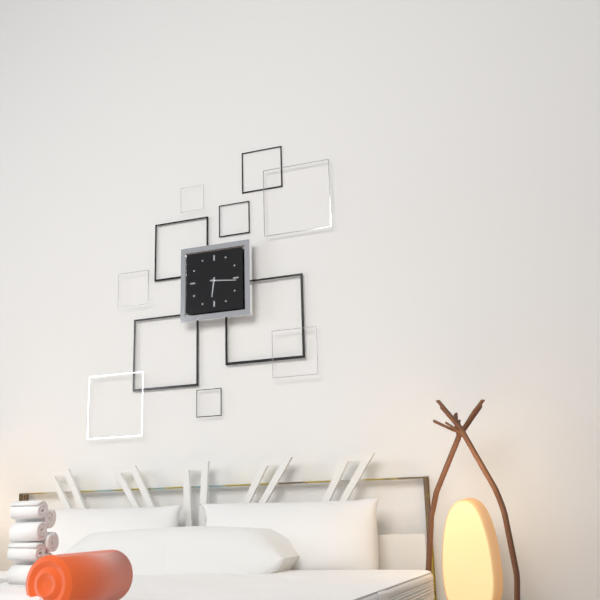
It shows {"hour": 6, "minute": 16}
